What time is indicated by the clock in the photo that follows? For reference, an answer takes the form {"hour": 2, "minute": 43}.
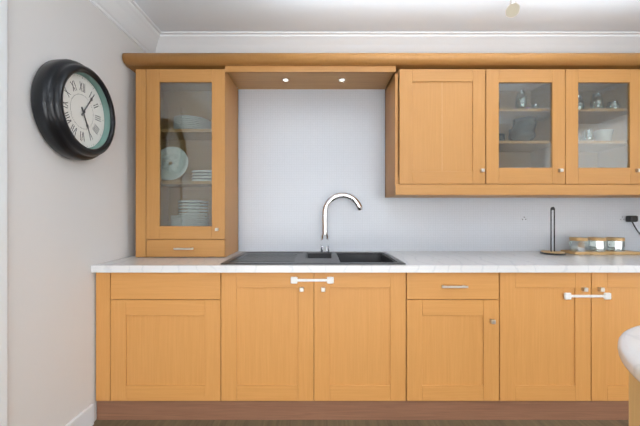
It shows {"hour": 5, "minute": 6}
